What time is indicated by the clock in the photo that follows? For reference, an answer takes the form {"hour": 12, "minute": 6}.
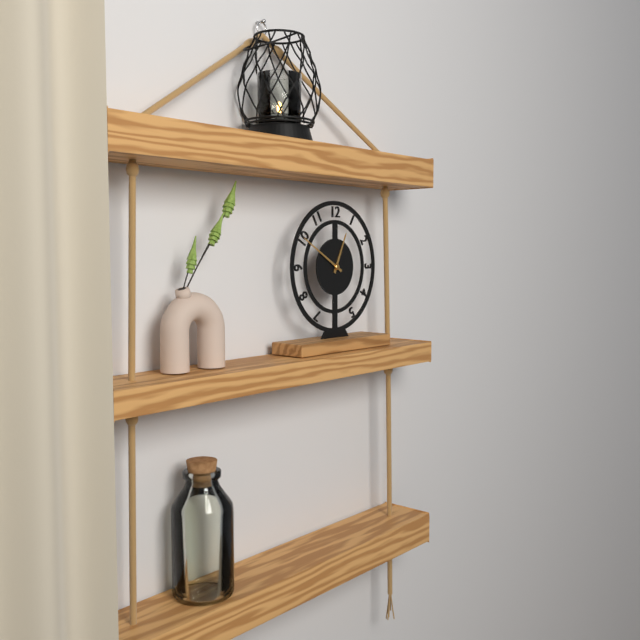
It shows {"hour": 12, "minute": 50}
